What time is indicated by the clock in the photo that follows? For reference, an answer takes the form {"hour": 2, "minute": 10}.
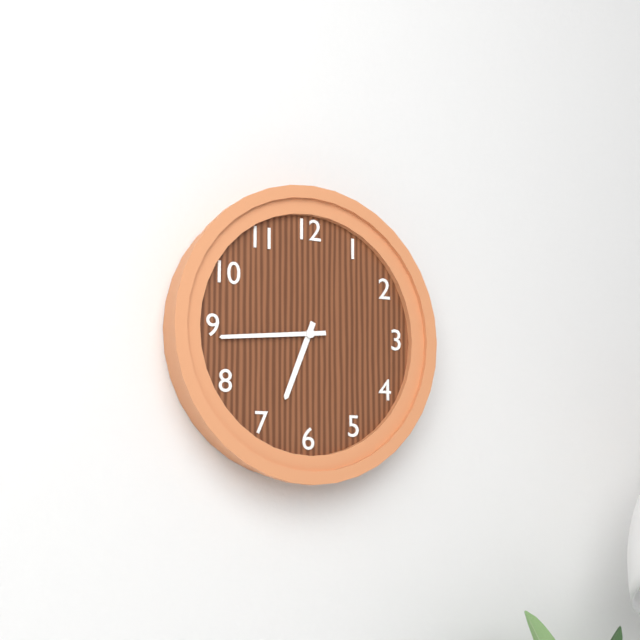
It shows {"hour": 6, "minute": 44}
